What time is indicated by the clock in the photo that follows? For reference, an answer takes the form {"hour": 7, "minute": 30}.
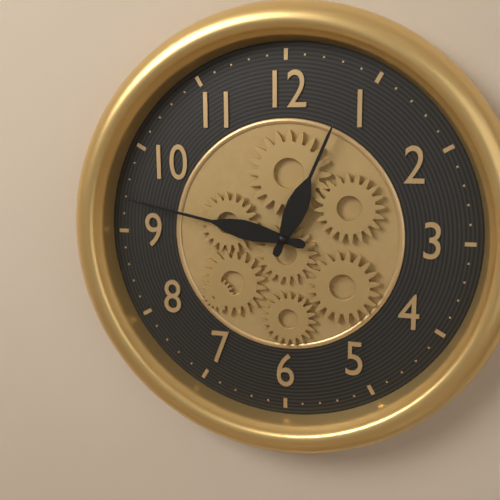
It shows {"hour": 12, "minute": 47}
